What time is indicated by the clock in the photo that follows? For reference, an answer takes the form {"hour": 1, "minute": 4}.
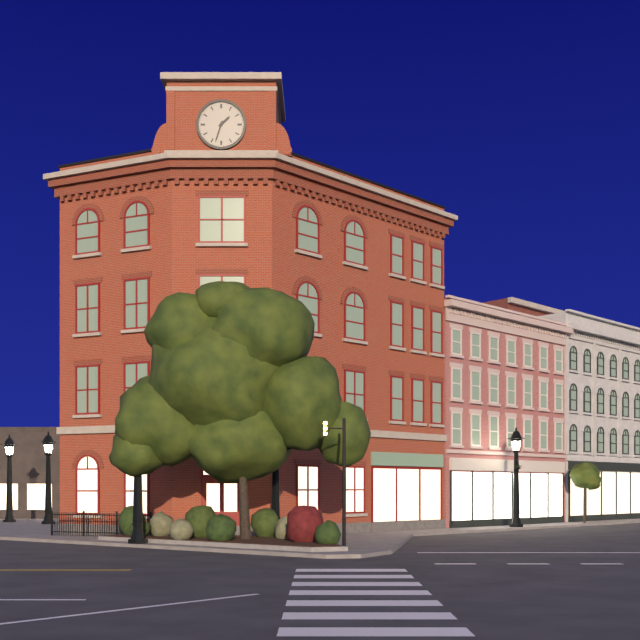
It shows {"hour": 1, "minute": 33}
